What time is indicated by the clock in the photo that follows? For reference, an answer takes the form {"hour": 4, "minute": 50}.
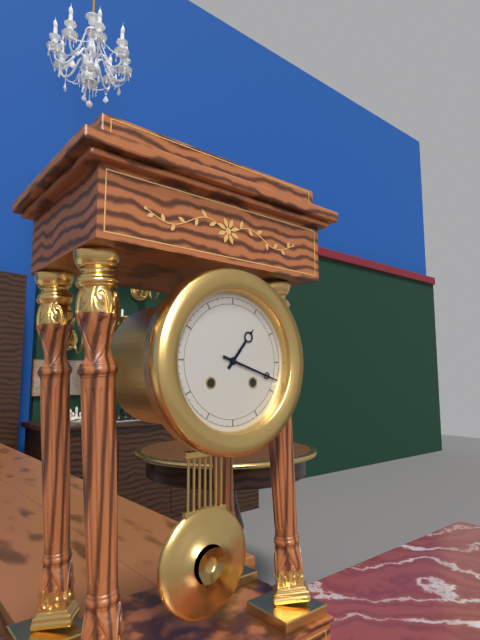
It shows {"hour": 1, "minute": 18}
